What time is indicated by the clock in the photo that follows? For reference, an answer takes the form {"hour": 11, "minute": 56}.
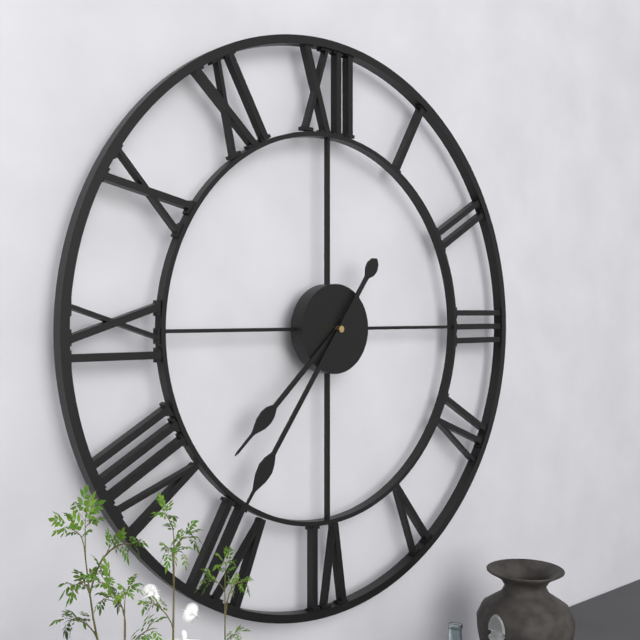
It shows {"hour": 7, "minute": 36}
